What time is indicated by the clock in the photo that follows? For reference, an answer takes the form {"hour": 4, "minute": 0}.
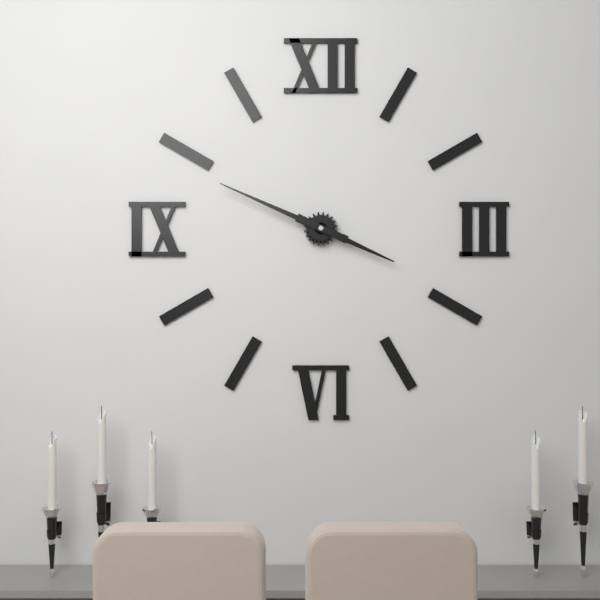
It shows {"hour": 3, "minute": 49}
